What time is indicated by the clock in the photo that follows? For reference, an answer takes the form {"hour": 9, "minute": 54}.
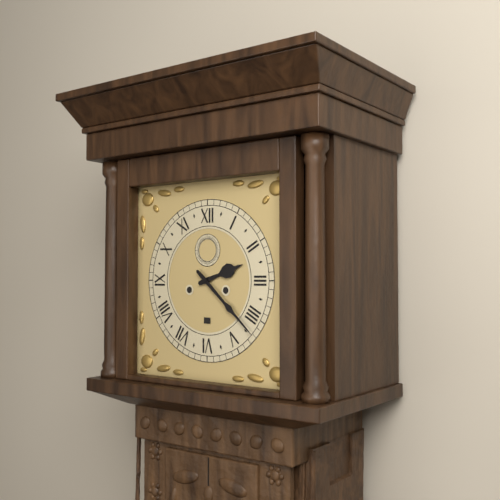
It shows {"hour": 2, "minute": 22}
